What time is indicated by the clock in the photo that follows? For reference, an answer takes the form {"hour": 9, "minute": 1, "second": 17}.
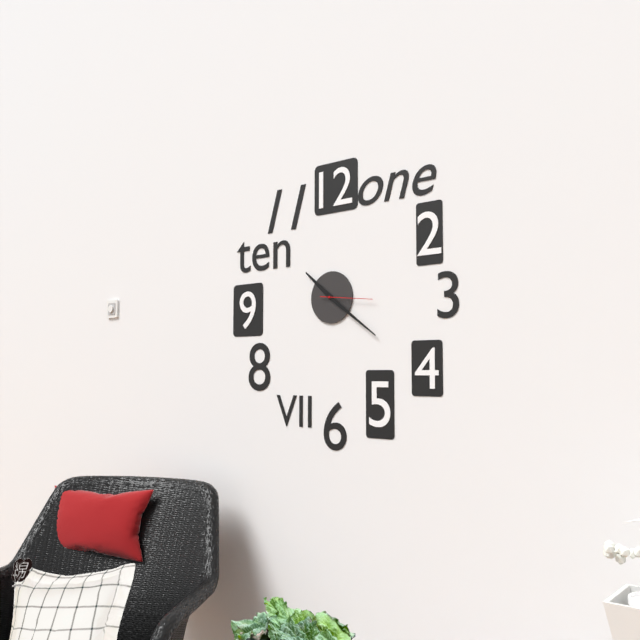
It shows {"hour": 10, "minute": 21, "second": 16}
